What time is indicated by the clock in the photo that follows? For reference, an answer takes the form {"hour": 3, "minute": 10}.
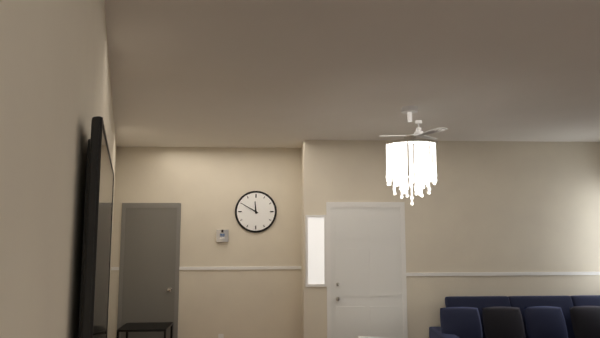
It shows {"hour": 11, "minute": 50}
